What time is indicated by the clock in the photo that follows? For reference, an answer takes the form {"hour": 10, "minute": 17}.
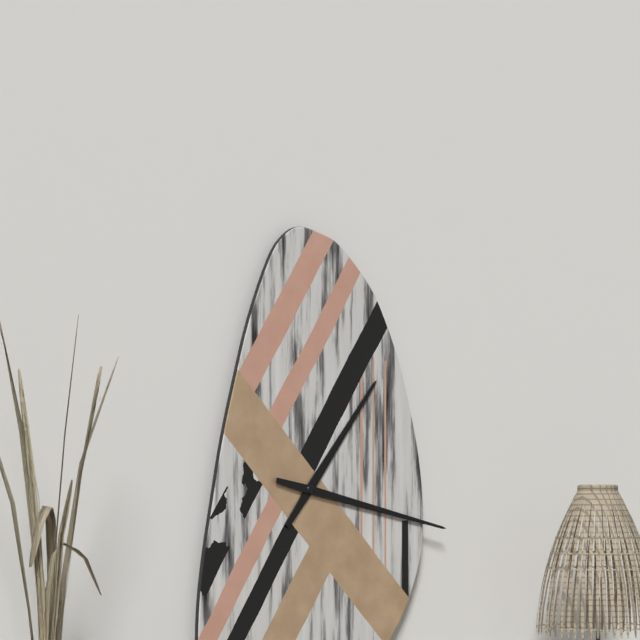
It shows {"hour": 1, "minute": 17}
